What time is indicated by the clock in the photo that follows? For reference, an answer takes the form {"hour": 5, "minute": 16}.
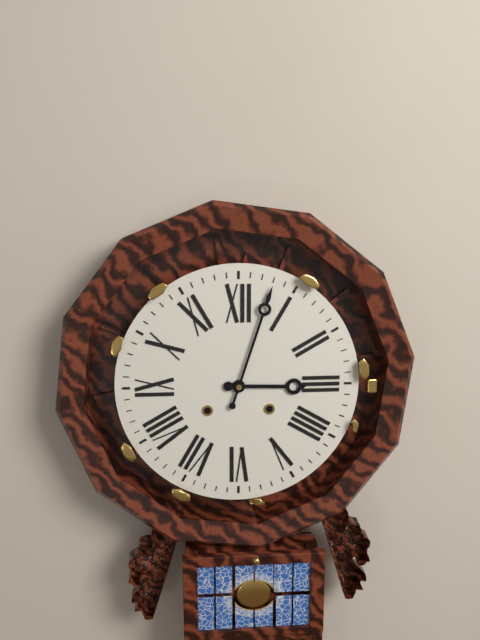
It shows {"hour": 3, "minute": 3}
